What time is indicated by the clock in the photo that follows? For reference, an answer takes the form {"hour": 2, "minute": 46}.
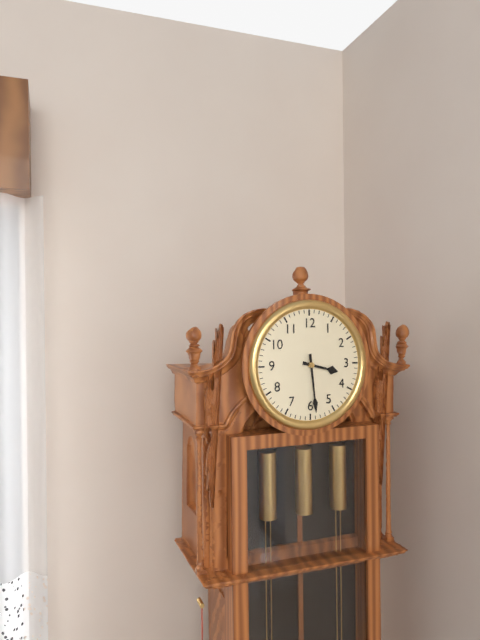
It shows {"hour": 3, "minute": 29}
